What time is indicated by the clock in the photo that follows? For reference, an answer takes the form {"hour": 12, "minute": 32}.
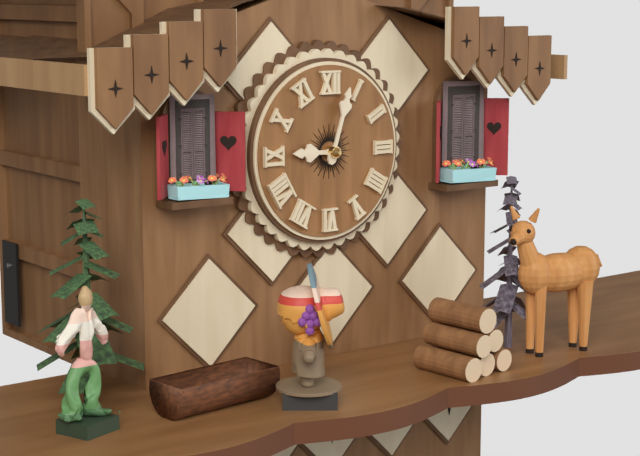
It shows {"hour": 9, "minute": 3}
